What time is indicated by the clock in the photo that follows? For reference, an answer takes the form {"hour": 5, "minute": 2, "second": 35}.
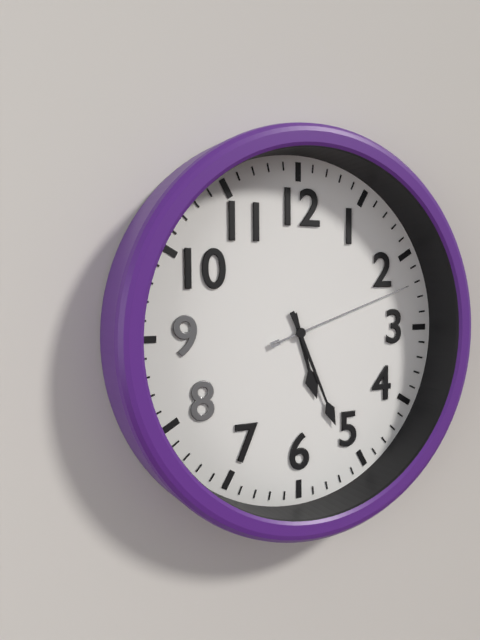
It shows {"hour": 5, "minute": 26, "second": 12}
